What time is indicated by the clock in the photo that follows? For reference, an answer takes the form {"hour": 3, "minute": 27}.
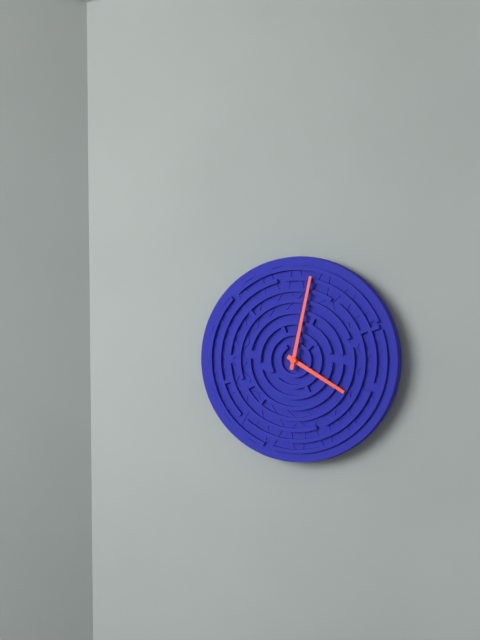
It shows {"hour": 4, "minute": 2}
